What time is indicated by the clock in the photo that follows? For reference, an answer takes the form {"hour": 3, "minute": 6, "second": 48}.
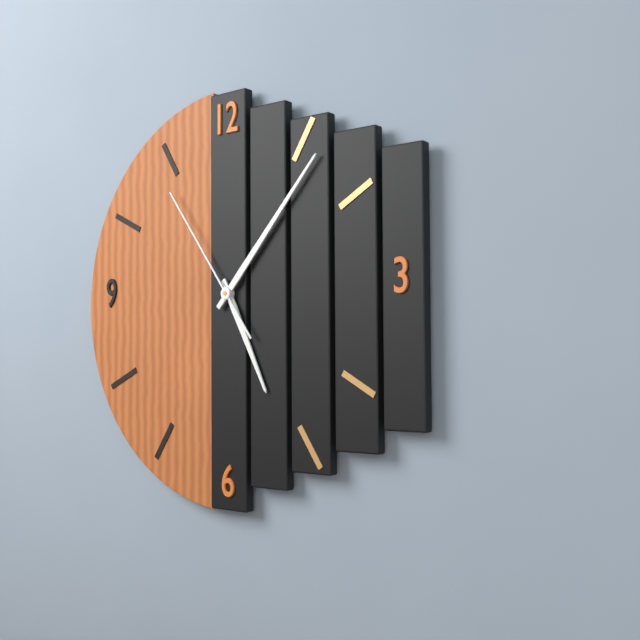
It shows {"hour": 5, "minute": 7, "second": 54}
